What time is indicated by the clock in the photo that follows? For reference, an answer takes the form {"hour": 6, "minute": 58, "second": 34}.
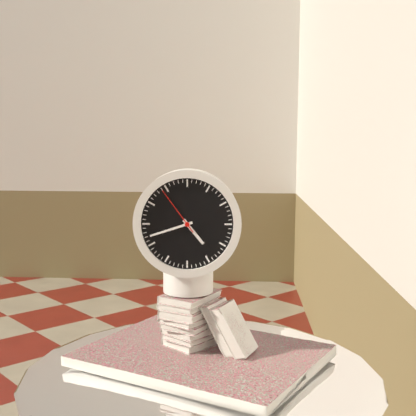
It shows {"hour": 4, "minute": 42, "second": 54}
